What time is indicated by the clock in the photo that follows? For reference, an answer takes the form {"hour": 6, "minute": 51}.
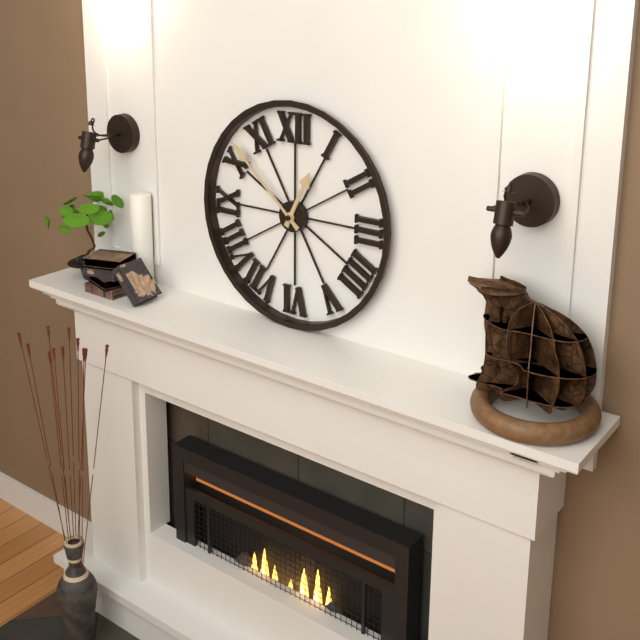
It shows {"hour": 12, "minute": 52}
